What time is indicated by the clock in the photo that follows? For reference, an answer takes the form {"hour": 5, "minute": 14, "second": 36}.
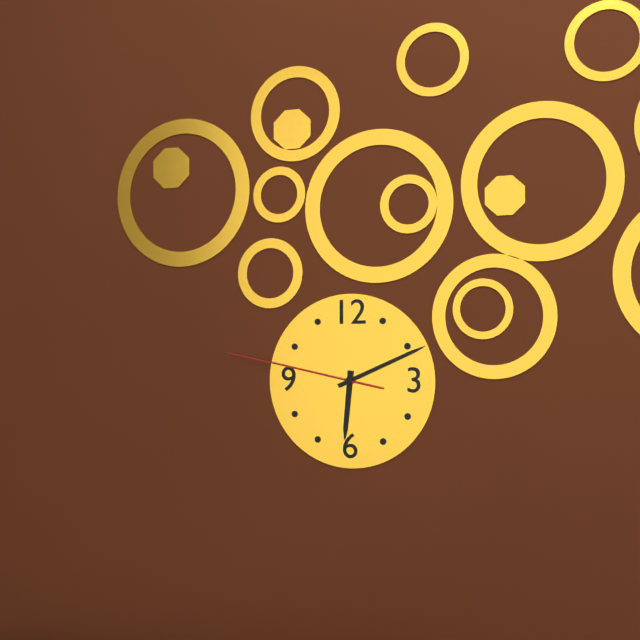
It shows {"hour": 6, "minute": 11, "second": 47}
